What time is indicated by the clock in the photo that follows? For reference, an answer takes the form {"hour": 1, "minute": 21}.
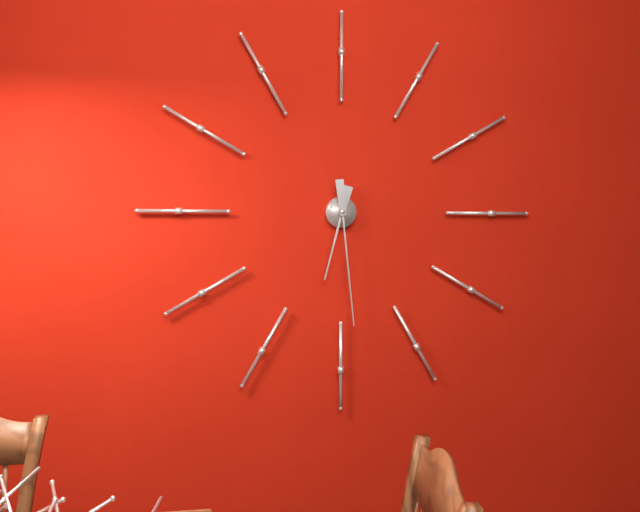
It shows {"hour": 6, "minute": 29}
